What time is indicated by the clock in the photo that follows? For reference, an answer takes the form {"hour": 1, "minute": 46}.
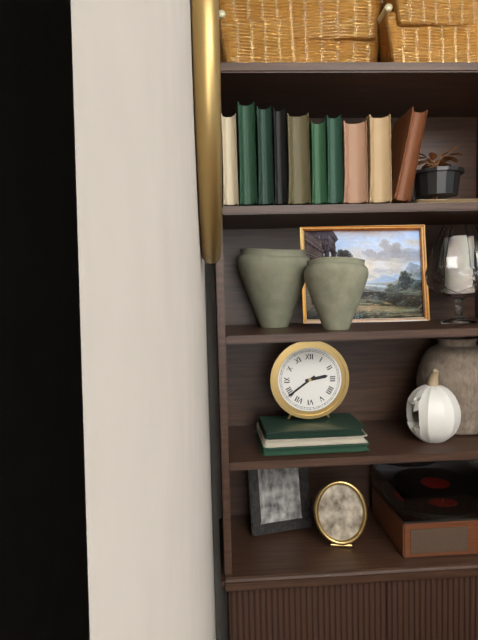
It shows {"hour": 2, "minute": 39}
